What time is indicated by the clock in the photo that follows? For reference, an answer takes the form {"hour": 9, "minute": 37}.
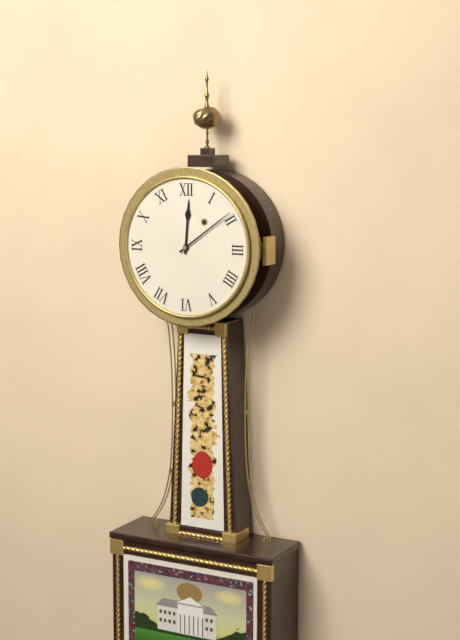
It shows {"hour": 12, "minute": 9}
